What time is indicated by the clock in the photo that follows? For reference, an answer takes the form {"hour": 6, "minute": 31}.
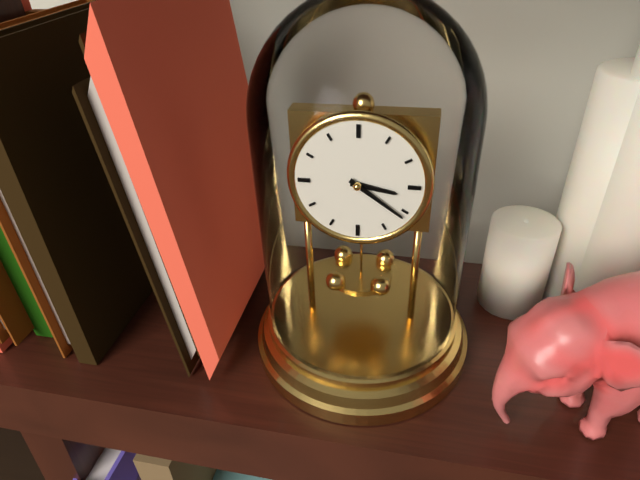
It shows {"hour": 3, "minute": 21}
